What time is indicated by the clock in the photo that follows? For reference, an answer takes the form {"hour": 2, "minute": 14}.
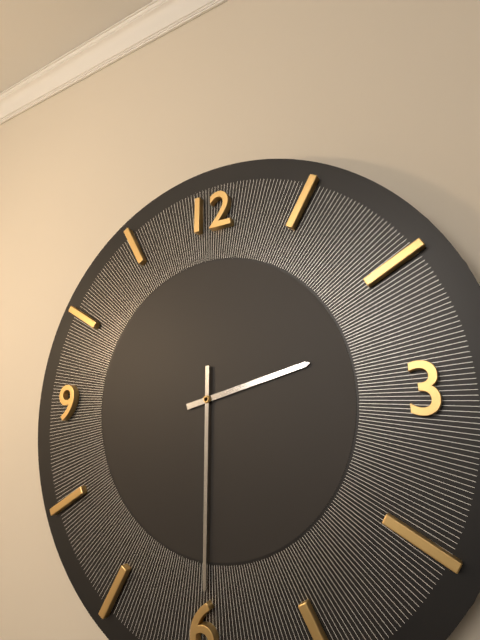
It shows {"hour": 2, "minute": 30}
